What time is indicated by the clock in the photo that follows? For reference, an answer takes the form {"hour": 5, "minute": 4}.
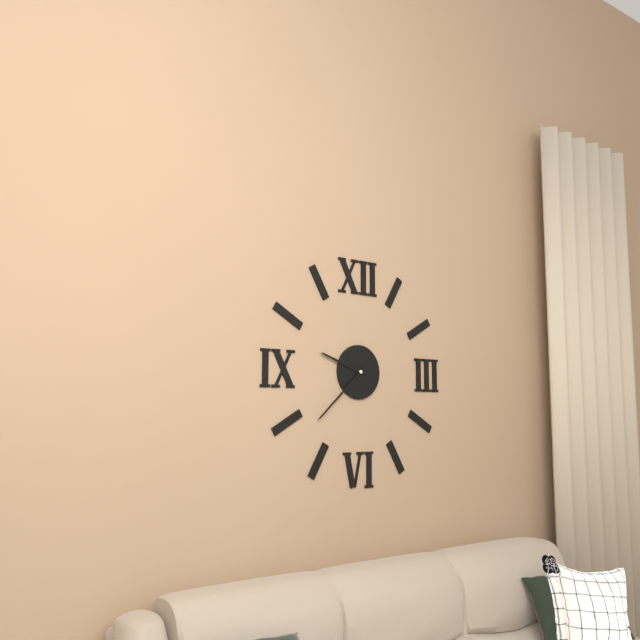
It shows {"hour": 9, "minute": 38}
